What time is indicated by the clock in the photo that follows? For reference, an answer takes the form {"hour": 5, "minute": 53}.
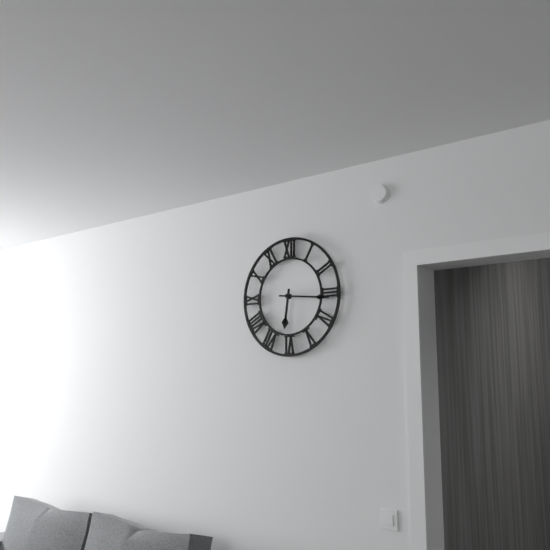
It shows {"hour": 6, "minute": 16}
